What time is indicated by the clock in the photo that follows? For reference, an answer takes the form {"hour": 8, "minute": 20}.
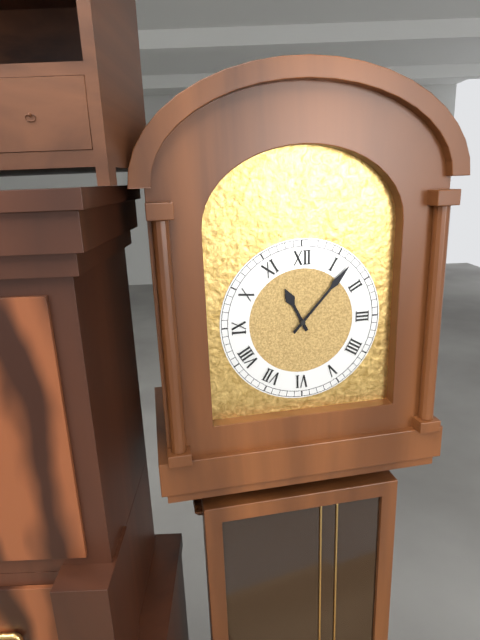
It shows {"hour": 11, "minute": 7}
